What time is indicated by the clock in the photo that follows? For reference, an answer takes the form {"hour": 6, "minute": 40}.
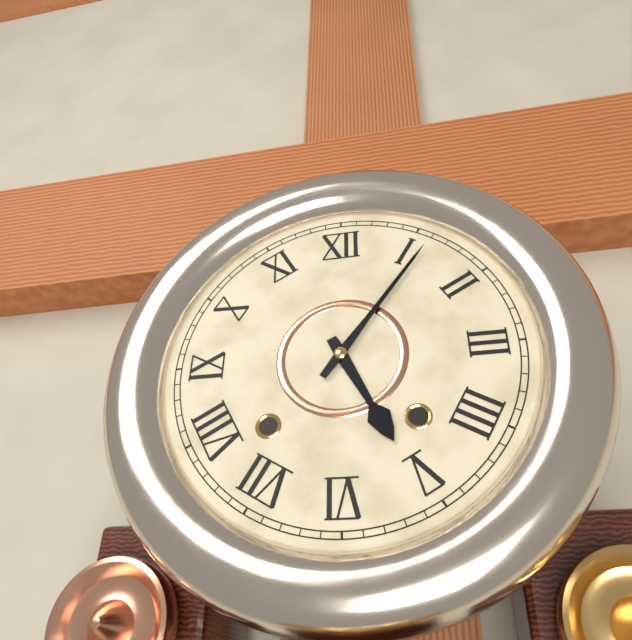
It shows {"hour": 5, "minute": 6}
